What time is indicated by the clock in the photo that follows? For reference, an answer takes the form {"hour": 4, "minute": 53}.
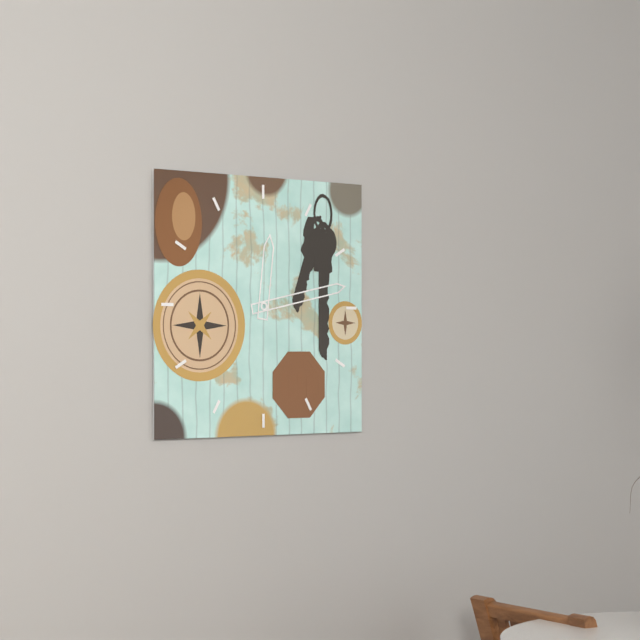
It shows {"hour": 12, "minute": 13}
